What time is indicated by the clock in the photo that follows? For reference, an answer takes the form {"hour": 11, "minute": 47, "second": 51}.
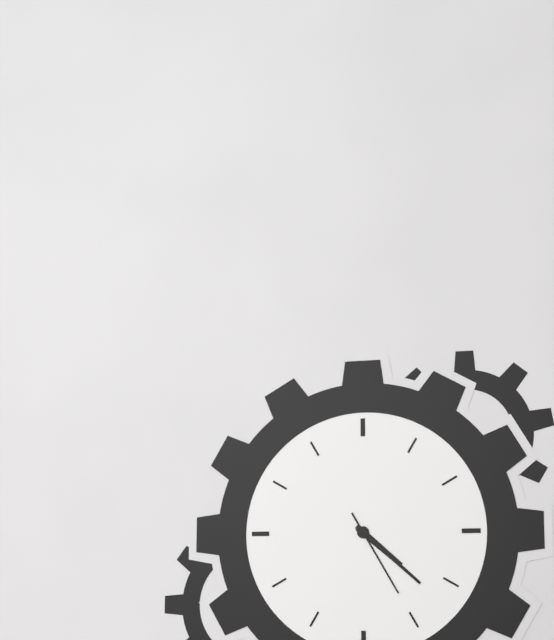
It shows {"hour": 4, "minute": 22, "second": 25}
